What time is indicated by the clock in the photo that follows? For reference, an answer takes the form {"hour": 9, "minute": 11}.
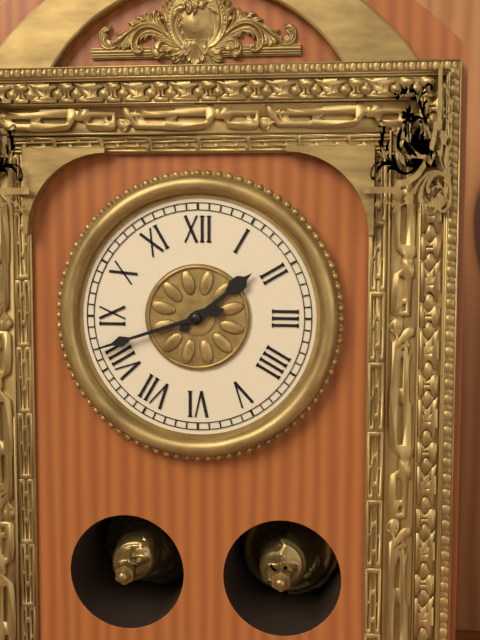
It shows {"hour": 1, "minute": 42}
